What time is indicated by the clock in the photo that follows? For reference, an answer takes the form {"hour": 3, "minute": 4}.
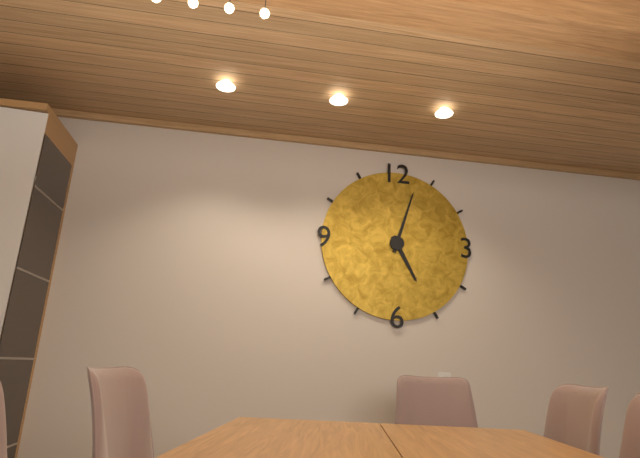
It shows {"hour": 5, "minute": 3}
